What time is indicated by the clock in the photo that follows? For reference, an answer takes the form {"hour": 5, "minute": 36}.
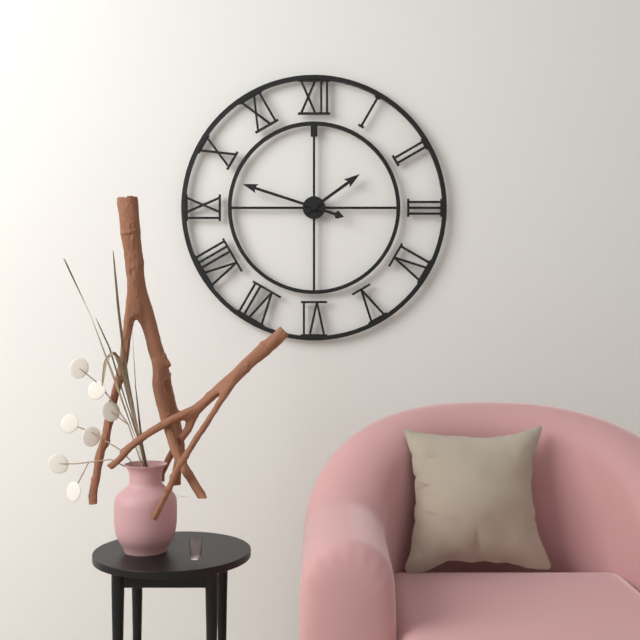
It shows {"hour": 1, "minute": 48}
